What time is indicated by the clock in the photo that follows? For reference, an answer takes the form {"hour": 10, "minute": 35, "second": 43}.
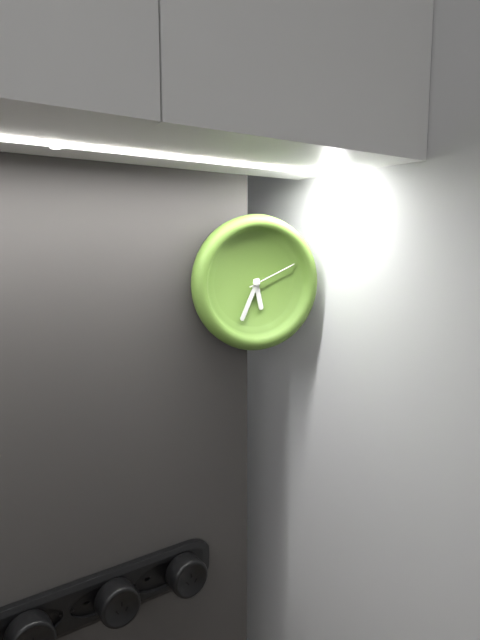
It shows {"hour": 5, "minute": 34, "second": 11}
